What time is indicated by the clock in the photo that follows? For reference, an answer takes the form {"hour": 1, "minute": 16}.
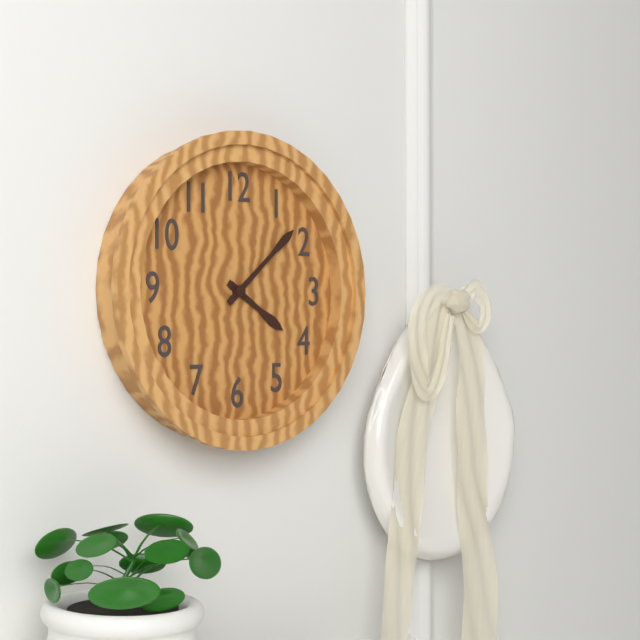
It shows {"hour": 4, "minute": 8}
